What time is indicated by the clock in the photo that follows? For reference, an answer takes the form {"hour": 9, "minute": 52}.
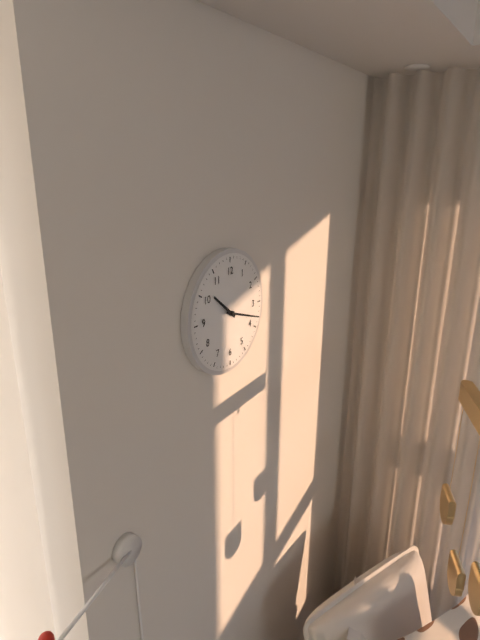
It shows {"hour": 10, "minute": 18}
